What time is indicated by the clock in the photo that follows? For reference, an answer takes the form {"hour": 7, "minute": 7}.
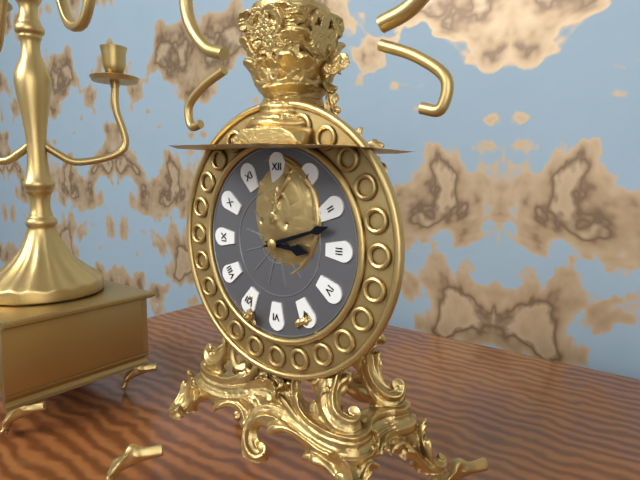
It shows {"hour": 3, "minute": 12}
